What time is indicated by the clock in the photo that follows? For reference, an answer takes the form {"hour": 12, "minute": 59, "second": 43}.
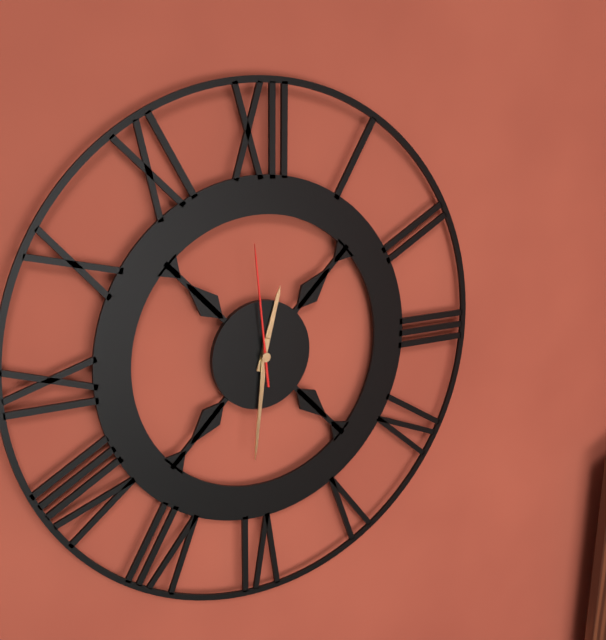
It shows {"hour": 12, "minute": 31, "second": 59}
